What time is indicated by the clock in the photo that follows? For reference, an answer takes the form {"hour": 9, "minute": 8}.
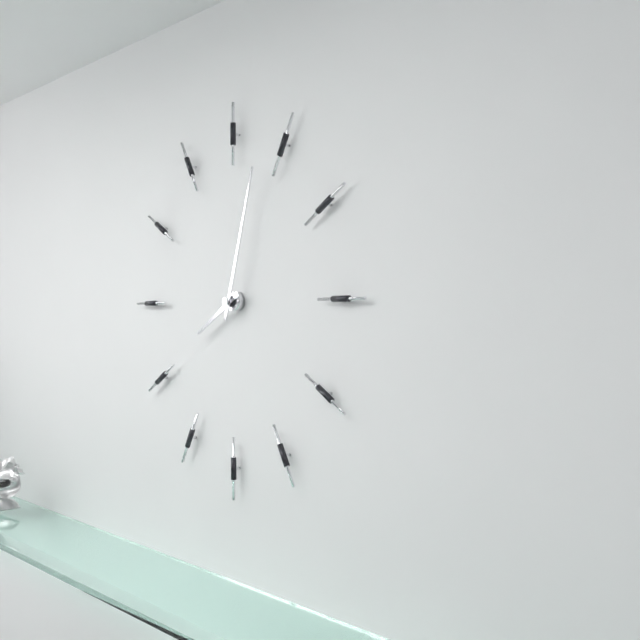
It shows {"hour": 8, "minute": 3}
